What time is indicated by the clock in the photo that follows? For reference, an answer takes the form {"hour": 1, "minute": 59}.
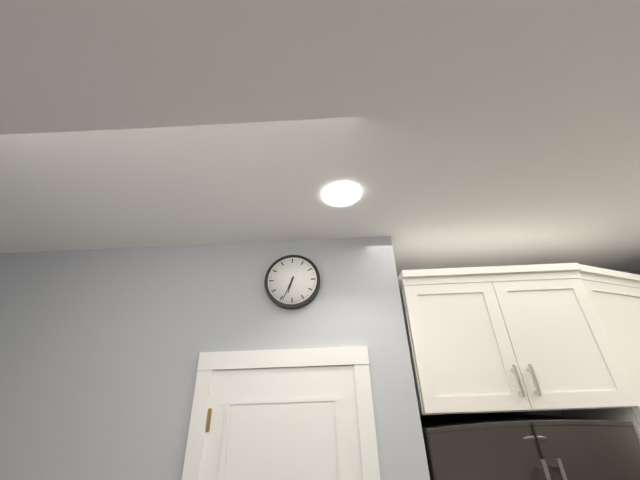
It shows {"hour": 6, "minute": 34}
